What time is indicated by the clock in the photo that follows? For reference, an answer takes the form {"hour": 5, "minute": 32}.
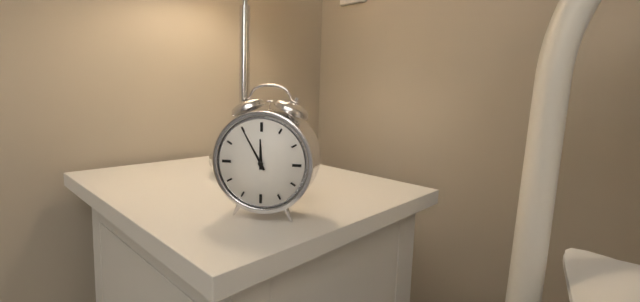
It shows {"hour": 11, "minute": 55}
